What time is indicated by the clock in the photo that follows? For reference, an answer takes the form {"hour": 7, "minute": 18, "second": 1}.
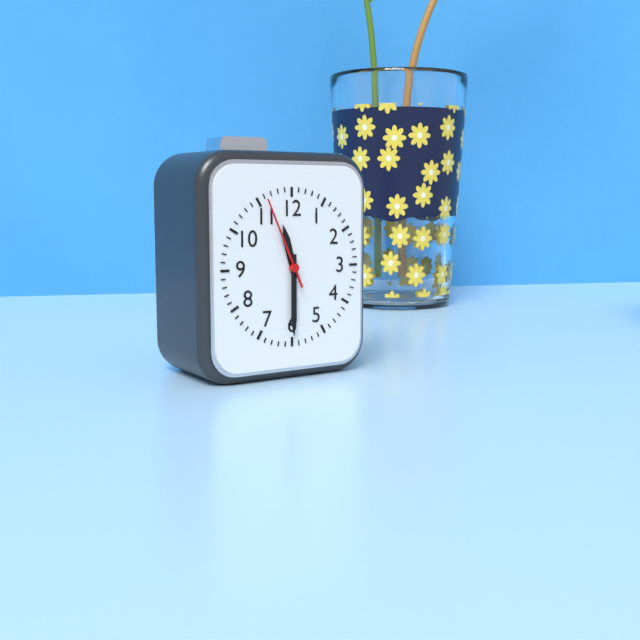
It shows {"hour": 11, "minute": 30, "second": 56}
